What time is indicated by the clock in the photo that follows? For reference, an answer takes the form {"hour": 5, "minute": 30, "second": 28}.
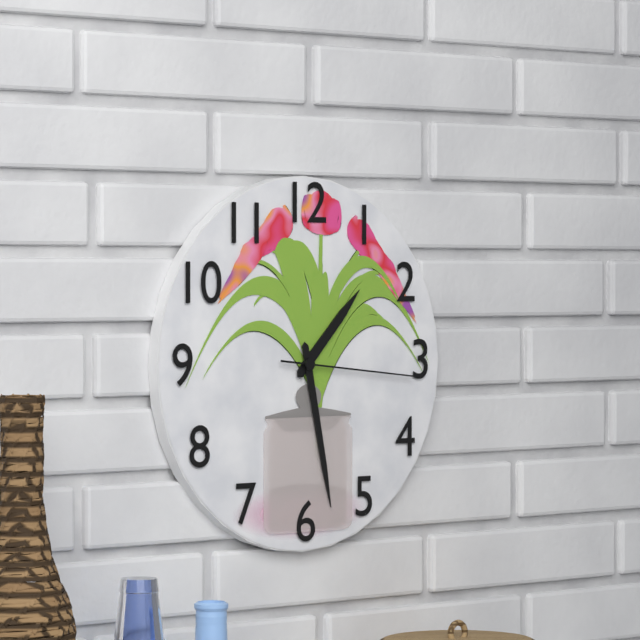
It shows {"hour": 1, "minute": 28, "second": 16}
